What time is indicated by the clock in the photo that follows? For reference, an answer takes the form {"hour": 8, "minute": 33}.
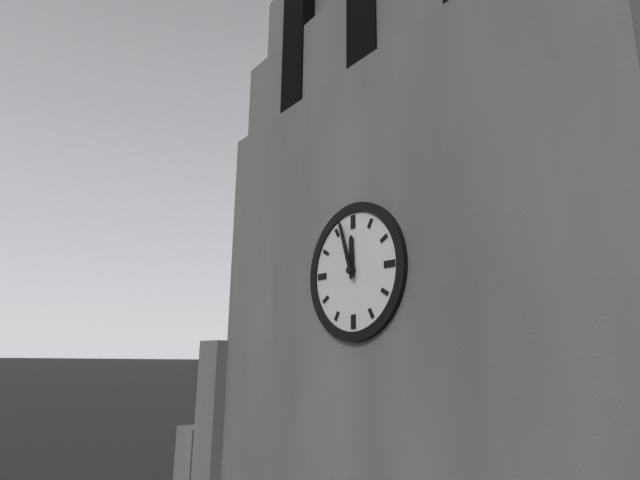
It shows {"hour": 11, "minute": 57}
